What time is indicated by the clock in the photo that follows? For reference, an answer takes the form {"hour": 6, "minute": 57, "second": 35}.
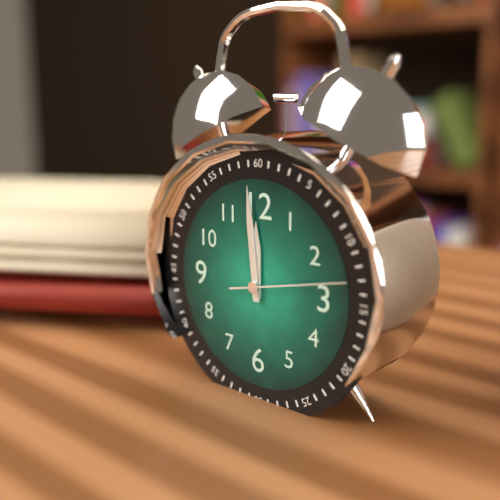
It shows {"hour": 11, "minute": 59, "second": 13}
